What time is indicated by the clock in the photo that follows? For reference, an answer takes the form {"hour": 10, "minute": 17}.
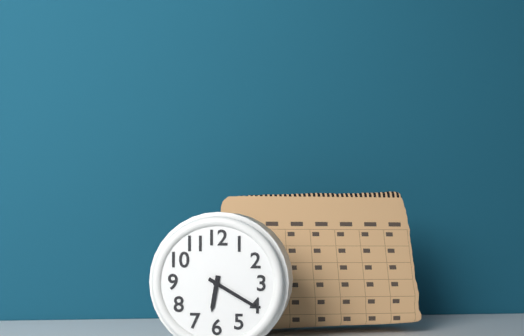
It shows {"hour": 6, "minute": 20}
